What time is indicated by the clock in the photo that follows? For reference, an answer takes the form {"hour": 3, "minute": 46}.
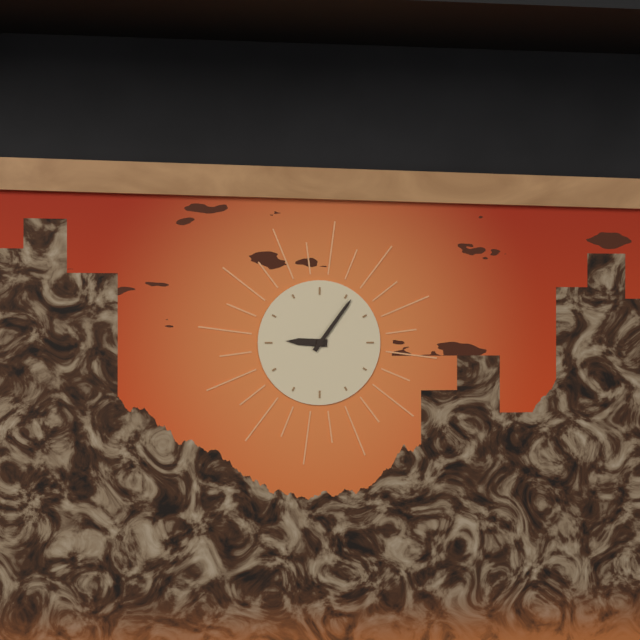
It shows {"hour": 9, "minute": 6}
